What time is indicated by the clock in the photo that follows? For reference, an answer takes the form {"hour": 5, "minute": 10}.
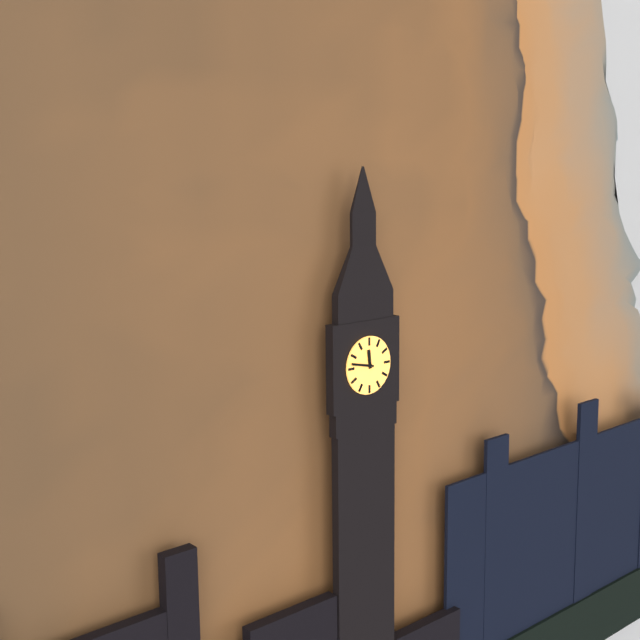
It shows {"hour": 11, "minute": 47}
